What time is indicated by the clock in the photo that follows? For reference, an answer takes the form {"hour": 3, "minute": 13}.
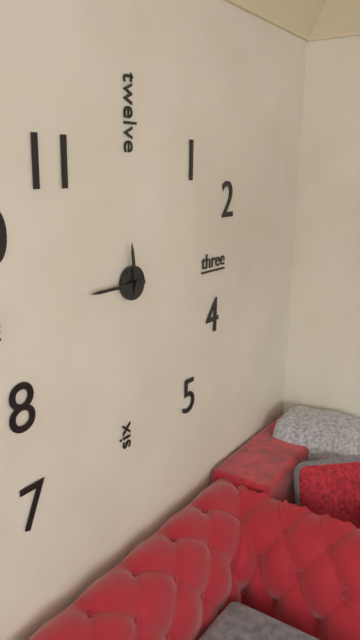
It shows {"hour": 11, "minute": 45}
